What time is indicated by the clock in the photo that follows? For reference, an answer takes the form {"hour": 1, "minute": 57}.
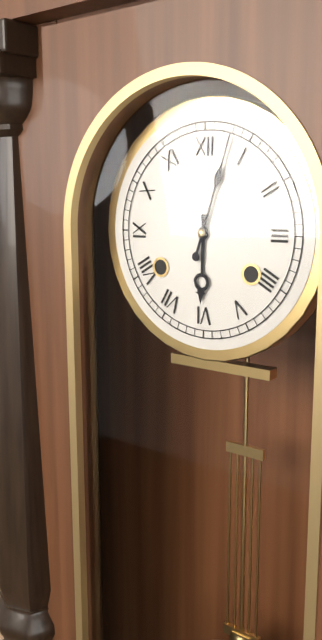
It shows {"hour": 6, "minute": 3}
